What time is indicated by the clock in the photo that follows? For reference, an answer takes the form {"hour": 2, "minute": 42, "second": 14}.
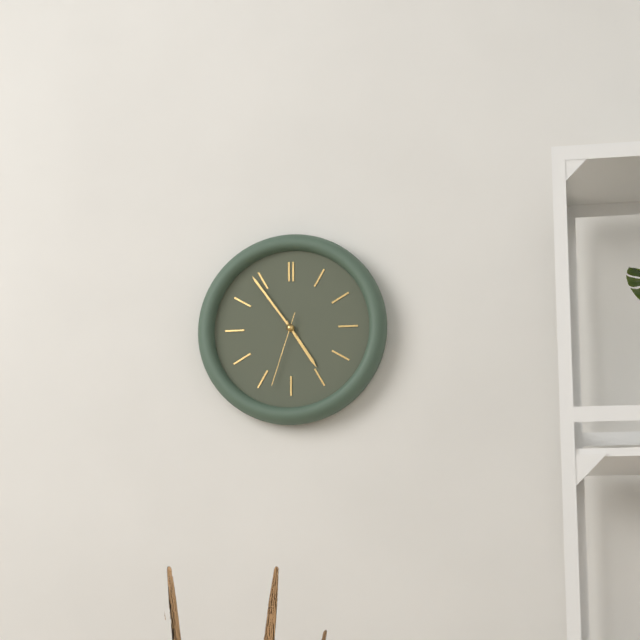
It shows {"hour": 4, "minute": 54, "second": 33}
